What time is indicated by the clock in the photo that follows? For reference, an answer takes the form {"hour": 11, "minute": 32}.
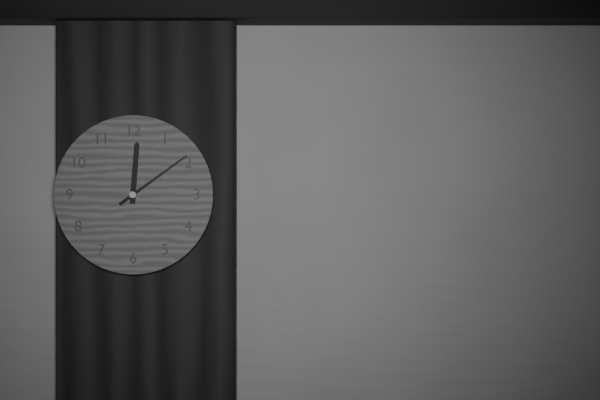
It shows {"hour": 12, "minute": 9}
